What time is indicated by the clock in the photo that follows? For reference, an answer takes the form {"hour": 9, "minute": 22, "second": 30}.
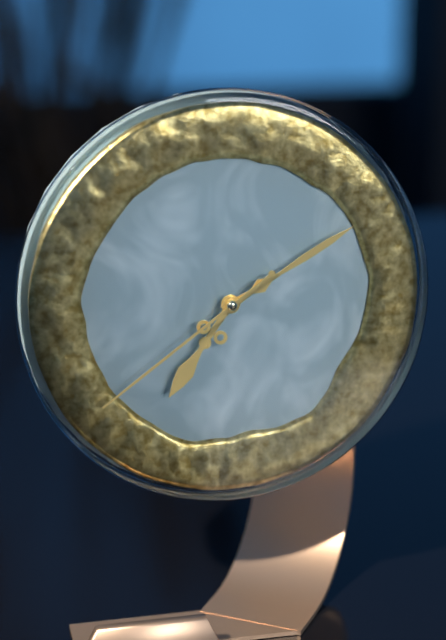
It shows {"hour": 7, "minute": 10, "second": 39}
